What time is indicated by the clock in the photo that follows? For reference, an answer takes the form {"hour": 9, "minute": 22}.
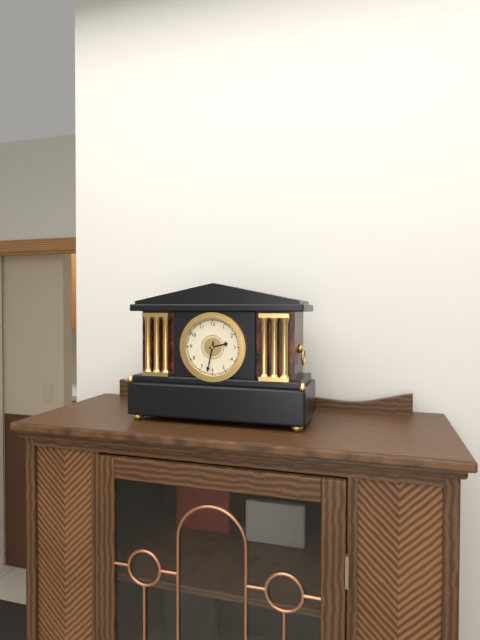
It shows {"hour": 2, "minute": 32}
